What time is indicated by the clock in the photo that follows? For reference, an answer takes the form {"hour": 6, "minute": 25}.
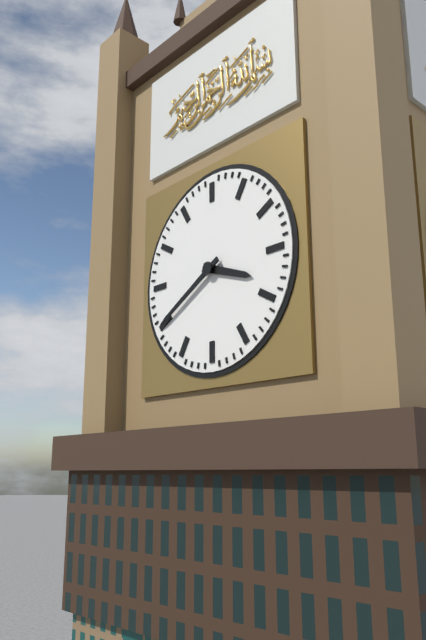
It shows {"hour": 3, "minute": 40}
